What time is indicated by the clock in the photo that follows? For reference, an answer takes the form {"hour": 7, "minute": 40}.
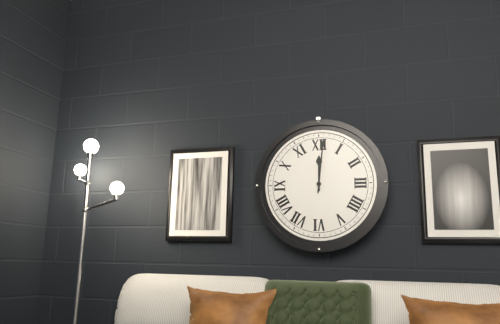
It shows {"hour": 12, "minute": 1}
